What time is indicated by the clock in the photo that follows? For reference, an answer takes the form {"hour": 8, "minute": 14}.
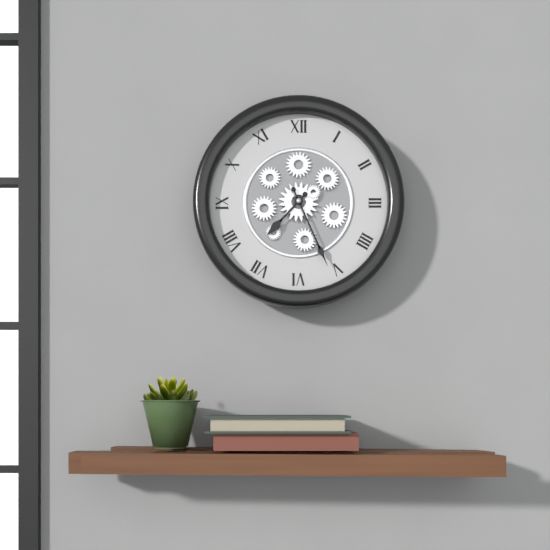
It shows {"hour": 7, "minute": 26}
